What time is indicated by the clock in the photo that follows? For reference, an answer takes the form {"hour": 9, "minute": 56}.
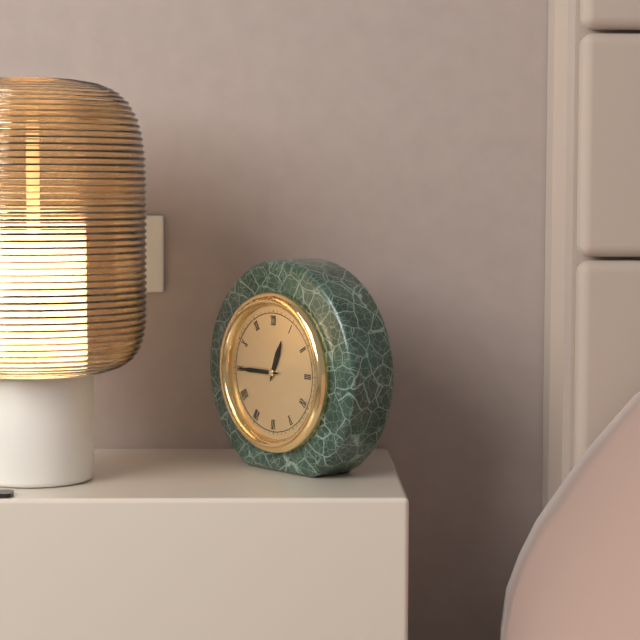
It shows {"hour": 12, "minute": 45}
